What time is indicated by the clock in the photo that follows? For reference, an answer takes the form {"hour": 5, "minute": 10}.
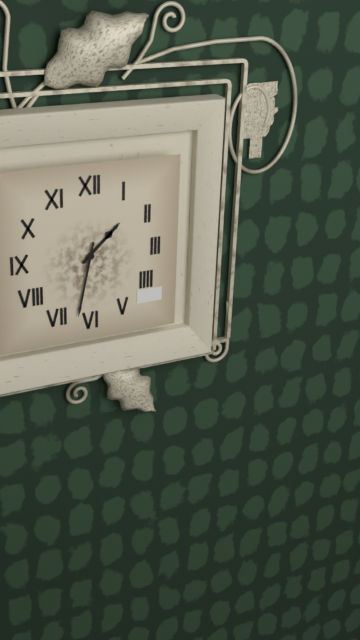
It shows {"hour": 1, "minute": 32}
